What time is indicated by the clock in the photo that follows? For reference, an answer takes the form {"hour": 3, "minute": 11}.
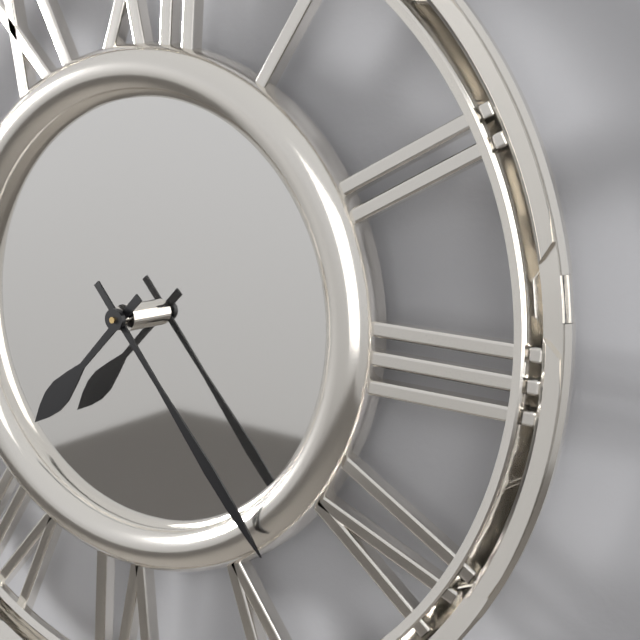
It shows {"hour": 7, "minute": 23}
